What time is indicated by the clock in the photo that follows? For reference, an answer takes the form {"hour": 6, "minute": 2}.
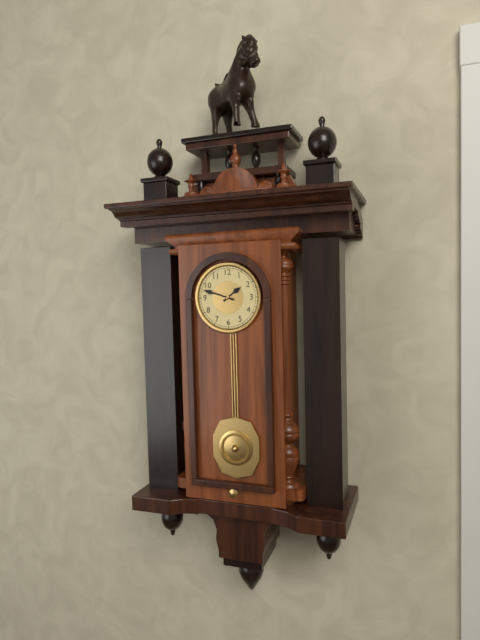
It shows {"hour": 1, "minute": 48}
